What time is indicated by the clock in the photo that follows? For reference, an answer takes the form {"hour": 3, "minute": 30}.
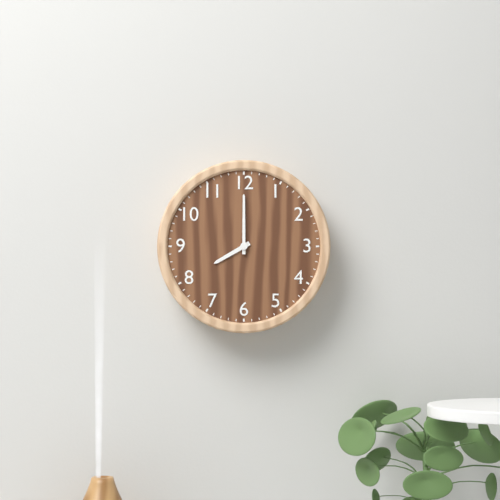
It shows {"hour": 8, "minute": 0}
